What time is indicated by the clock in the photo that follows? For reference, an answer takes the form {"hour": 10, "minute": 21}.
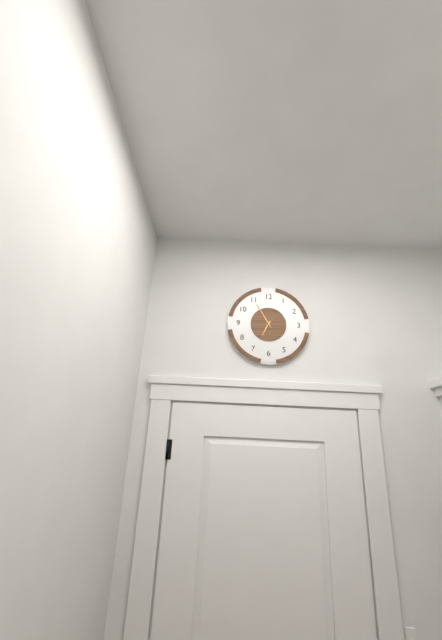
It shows {"hour": 6, "minute": 55}
